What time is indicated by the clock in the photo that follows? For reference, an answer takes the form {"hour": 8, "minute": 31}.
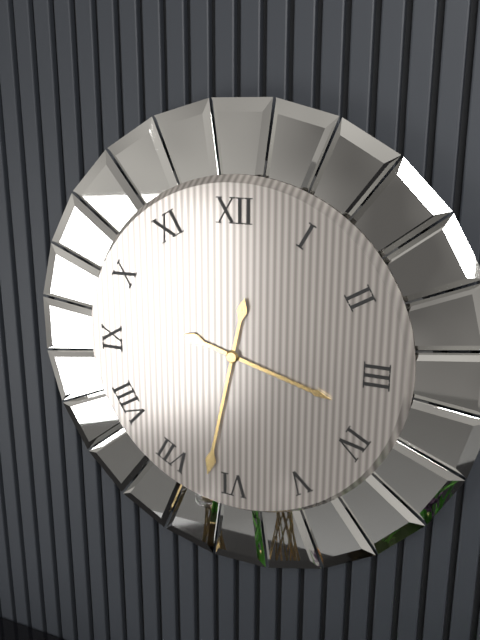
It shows {"hour": 3, "minute": 32}
